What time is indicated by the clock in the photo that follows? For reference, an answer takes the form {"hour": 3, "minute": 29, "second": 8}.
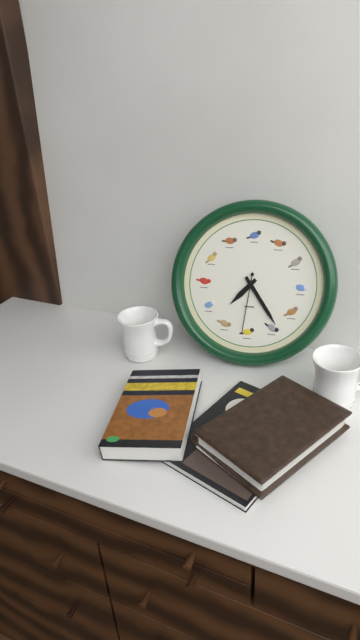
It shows {"hour": 7, "minute": 24, "second": 31}
